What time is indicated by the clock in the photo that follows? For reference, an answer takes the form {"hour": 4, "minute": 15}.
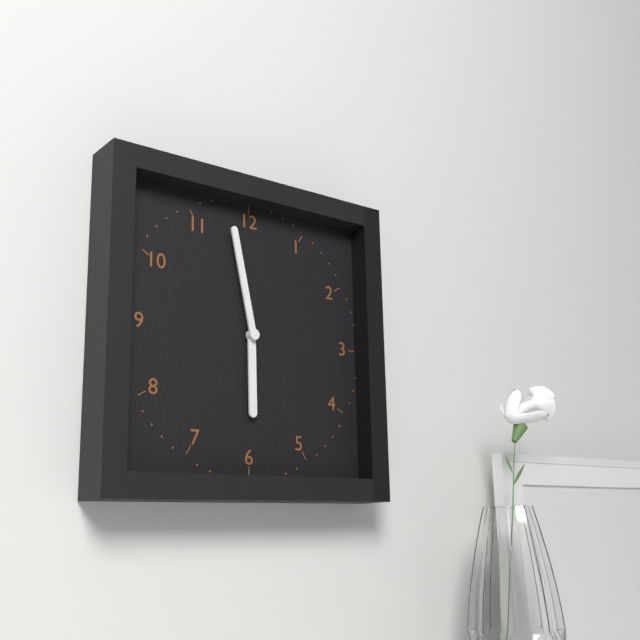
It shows {"hour": 5, "minute": 58}
